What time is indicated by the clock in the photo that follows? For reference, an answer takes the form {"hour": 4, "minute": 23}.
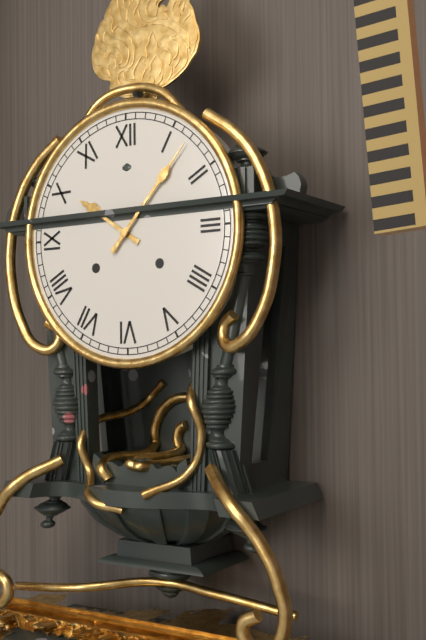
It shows {"hour": 10, "minute": 7}
